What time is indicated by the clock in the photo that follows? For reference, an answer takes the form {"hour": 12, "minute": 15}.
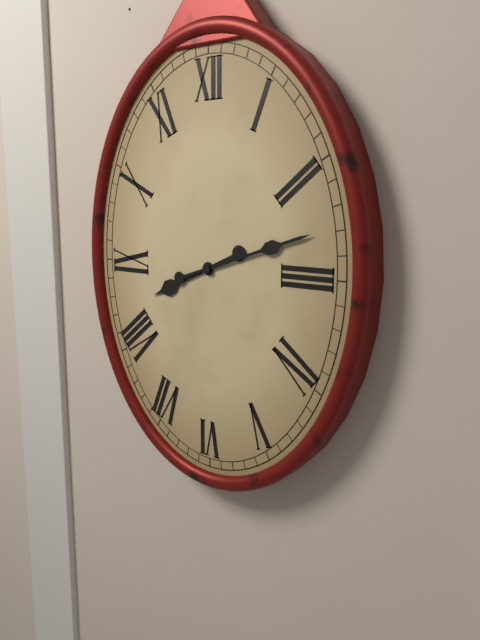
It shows {"hour": 8, "minute": 12}
